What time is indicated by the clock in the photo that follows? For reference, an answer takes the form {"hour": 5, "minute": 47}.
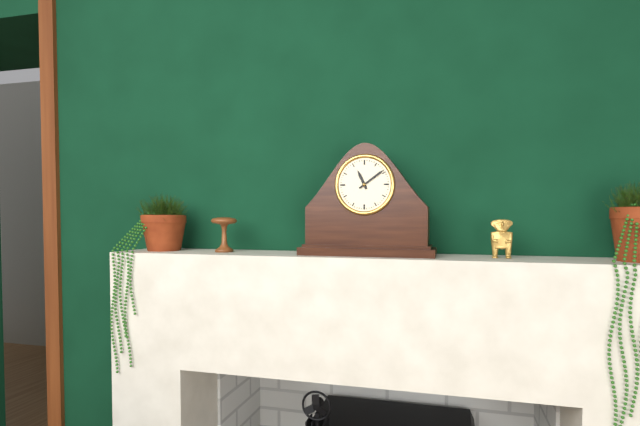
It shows {"hour": 11, "minute": 9}
